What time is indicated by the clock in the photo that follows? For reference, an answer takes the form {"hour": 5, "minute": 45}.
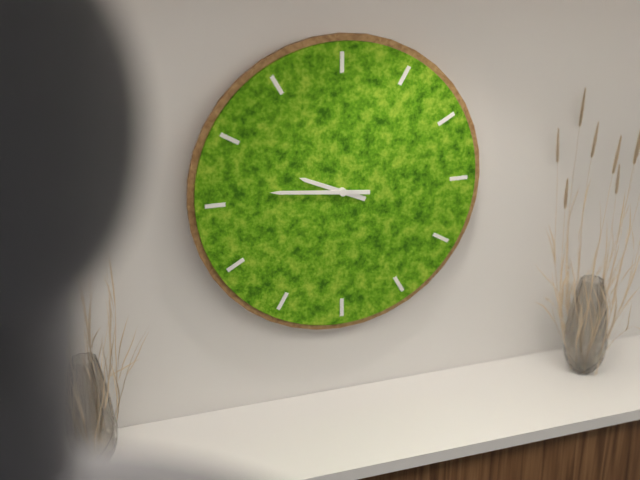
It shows {"hour": 9, "minute": 46}
